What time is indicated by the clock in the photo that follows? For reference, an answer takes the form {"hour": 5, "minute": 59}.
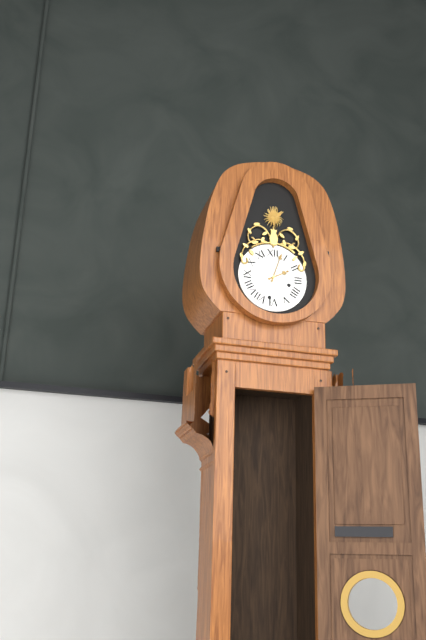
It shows {"hour": 2, "minute": 3}
